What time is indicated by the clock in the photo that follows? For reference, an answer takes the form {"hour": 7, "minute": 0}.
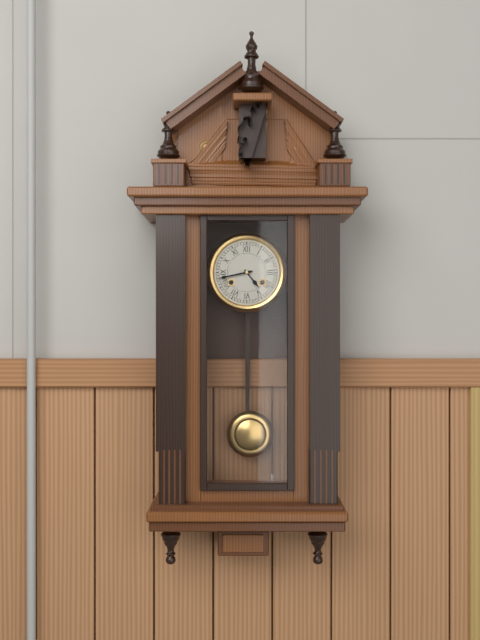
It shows {"hour": 4, "minute": 43}
